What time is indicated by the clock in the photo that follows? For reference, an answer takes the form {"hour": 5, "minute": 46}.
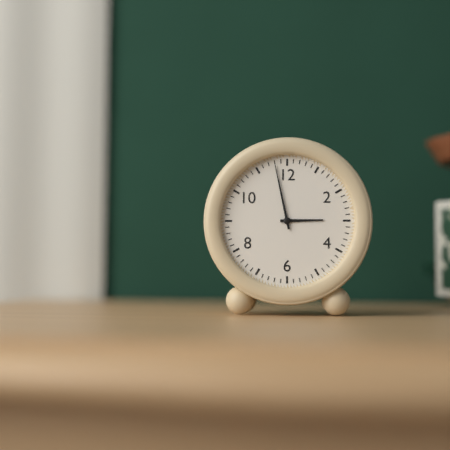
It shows {"hour": 2, "minute": 58}
